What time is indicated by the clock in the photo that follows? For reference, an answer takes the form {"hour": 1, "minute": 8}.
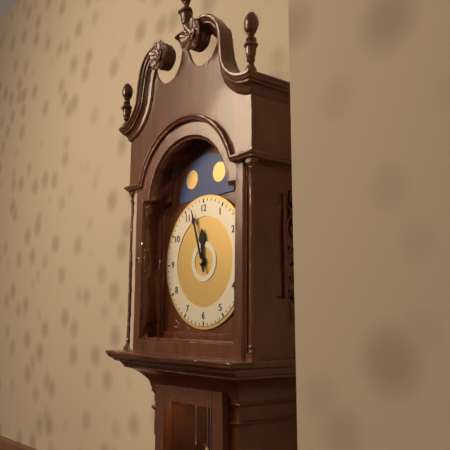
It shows {"hour": 11, "minute": 57}
